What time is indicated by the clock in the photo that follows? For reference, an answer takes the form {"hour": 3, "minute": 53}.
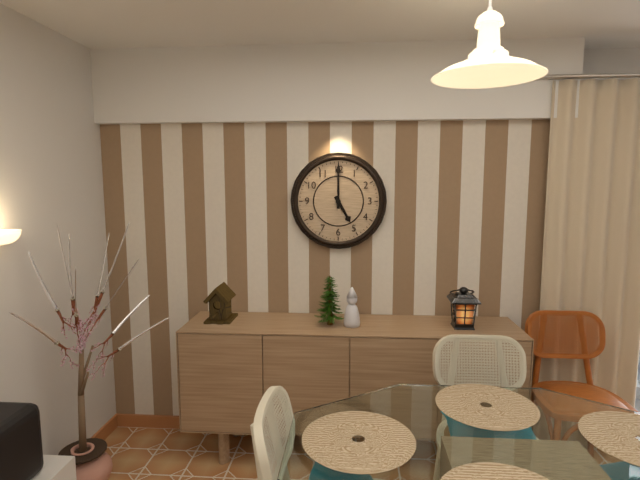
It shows {"hour": 5, "minute": 0}
